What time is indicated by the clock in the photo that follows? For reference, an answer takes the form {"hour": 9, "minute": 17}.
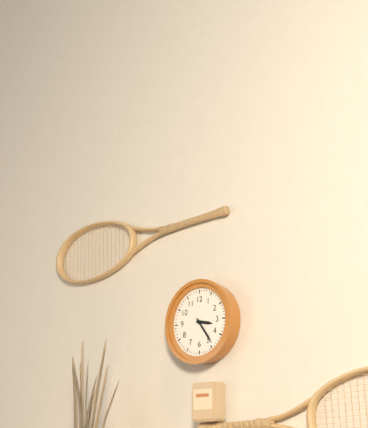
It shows {"hour": 3, "minute": 24}
